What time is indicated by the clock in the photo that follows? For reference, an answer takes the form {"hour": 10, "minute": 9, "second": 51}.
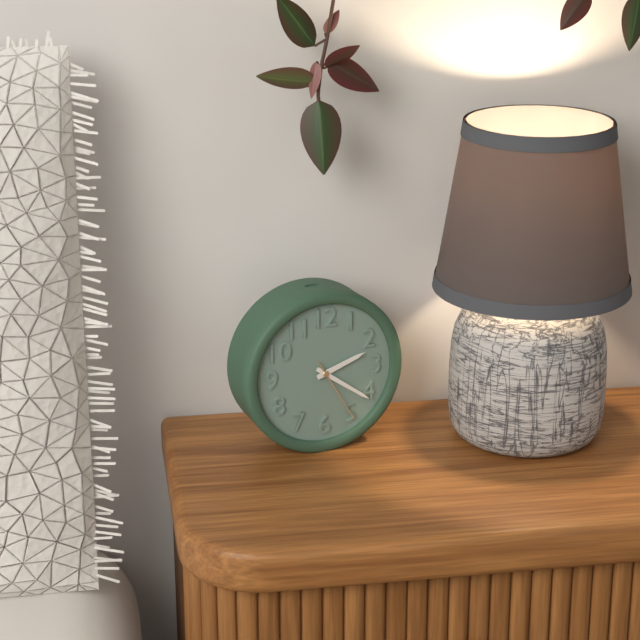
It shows {"hour": 2, "minute": 21, "second": 25}
